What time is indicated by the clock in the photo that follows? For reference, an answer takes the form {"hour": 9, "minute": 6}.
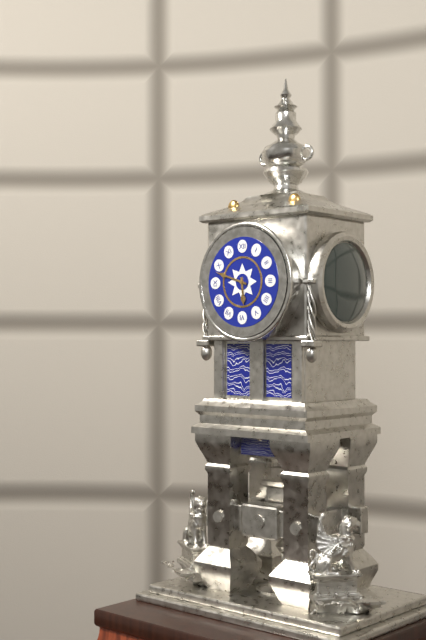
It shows {"hour": 5, "minute": 48}
